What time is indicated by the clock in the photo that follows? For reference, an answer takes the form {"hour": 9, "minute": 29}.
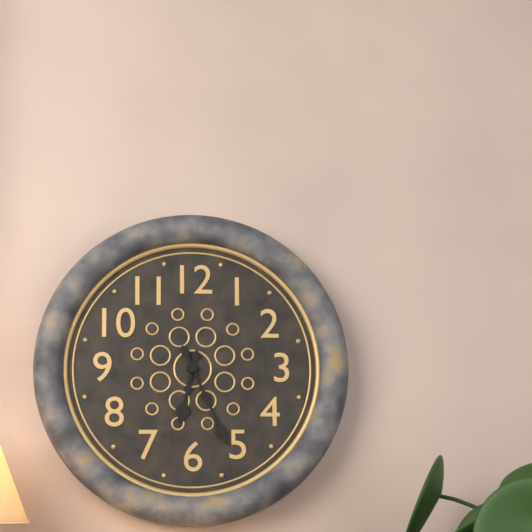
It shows {"hour": 6, "minute": 26}
